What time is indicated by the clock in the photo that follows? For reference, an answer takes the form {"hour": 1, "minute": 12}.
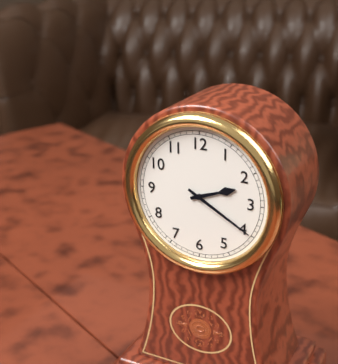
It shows {"hour": 2, "minute": 20}
